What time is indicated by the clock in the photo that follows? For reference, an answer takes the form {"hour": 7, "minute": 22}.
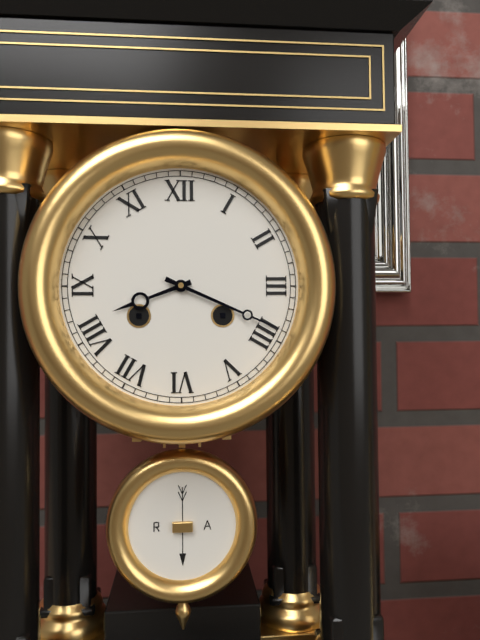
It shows {"hour": 8, "minute": 19}
